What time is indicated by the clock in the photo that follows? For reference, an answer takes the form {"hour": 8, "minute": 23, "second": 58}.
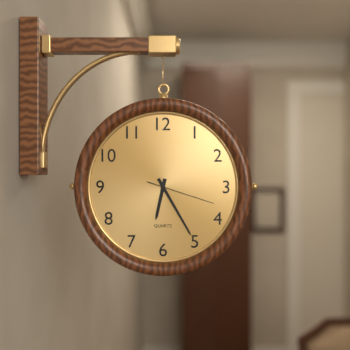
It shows {"hour": 6, "minute": 25, "second": 18}
